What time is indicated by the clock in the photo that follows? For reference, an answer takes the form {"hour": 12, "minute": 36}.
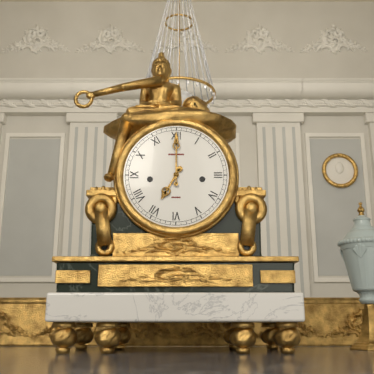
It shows {"hour": 7, "minute": 0}
